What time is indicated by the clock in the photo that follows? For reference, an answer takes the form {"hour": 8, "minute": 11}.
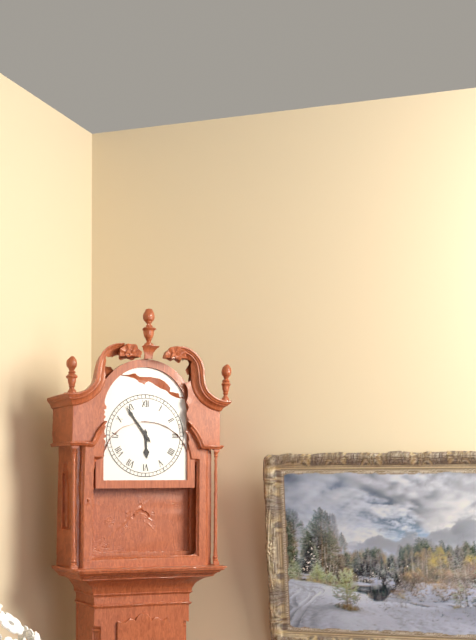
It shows {"hour": 5, "minute": 54}
